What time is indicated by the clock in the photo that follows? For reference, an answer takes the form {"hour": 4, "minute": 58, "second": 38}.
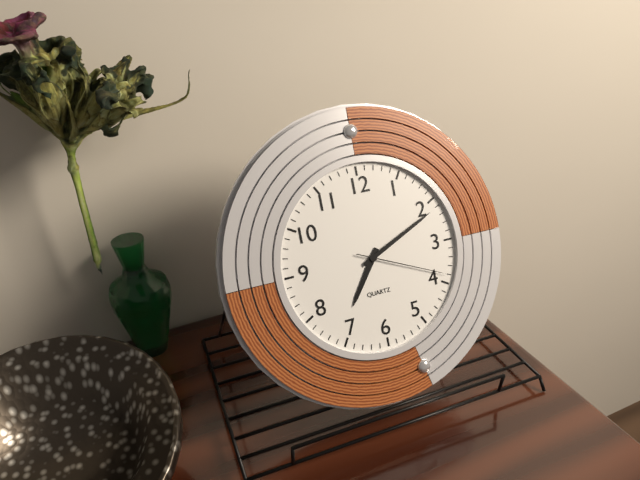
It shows {"hour": 7, "minute": 11, "second": 19}
